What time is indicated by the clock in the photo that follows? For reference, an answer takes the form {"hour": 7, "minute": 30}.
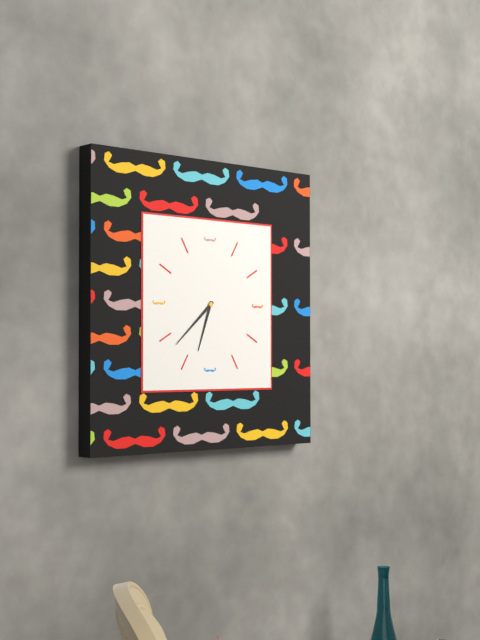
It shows {"hour": 6, "minute": 38}
